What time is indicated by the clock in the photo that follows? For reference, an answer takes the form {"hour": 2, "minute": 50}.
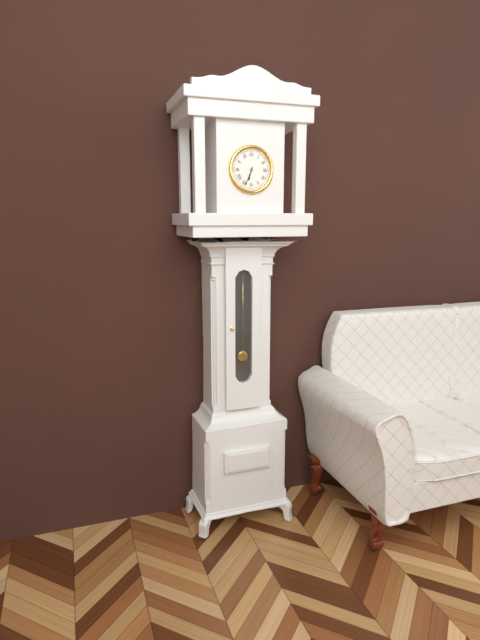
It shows {"hour": 6, "minute": 34}
